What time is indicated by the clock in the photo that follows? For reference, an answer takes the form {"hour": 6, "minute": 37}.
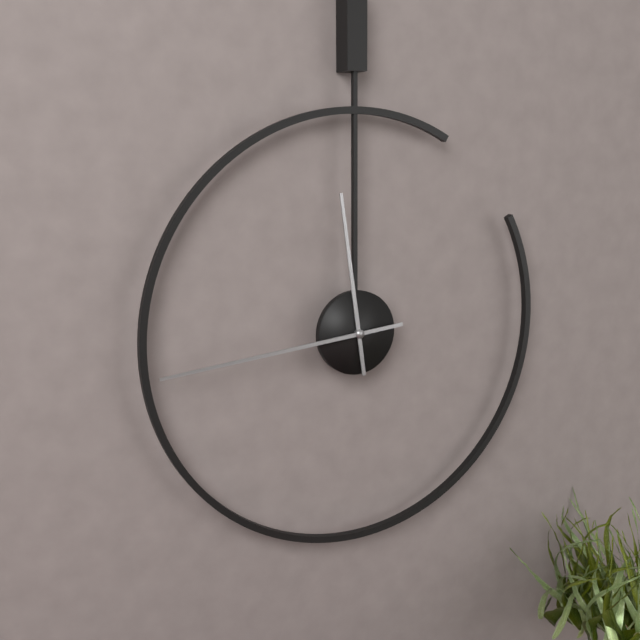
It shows {"hour": 11, "minute": 44}
